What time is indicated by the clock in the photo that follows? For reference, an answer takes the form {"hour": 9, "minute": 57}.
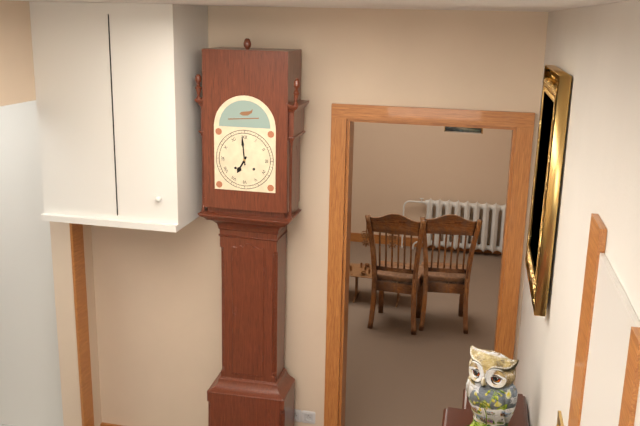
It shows {"hour": 6, "minute": 59}
